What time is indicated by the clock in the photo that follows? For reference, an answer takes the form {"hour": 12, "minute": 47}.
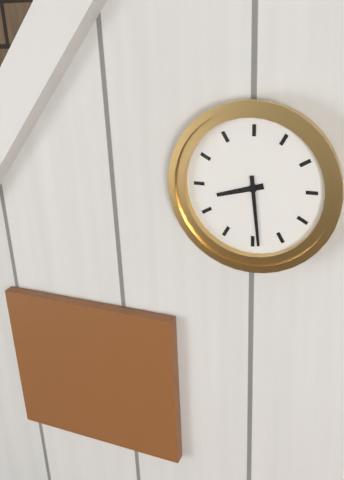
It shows {"hour": 8, "minute": 29}
